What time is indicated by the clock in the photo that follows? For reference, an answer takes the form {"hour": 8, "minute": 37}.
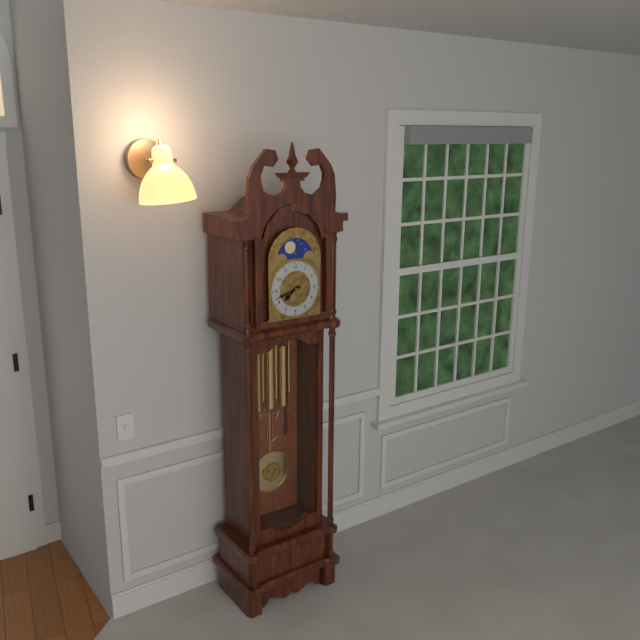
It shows {"hour": 7, "minute": 42}
